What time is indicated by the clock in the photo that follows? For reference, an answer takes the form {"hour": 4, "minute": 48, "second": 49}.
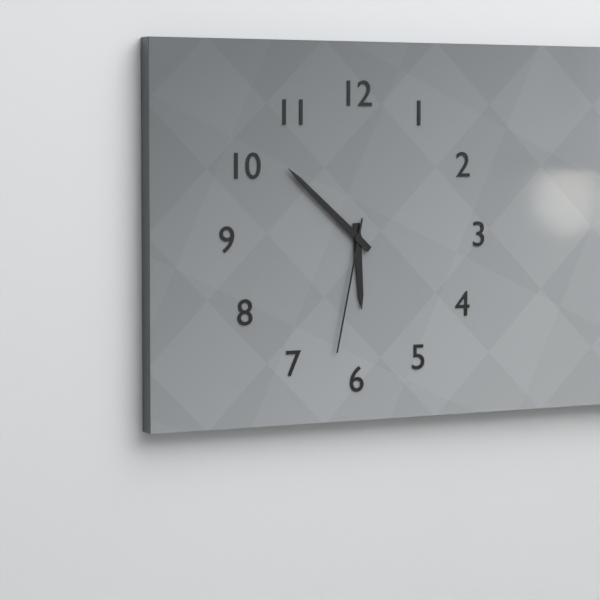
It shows {"hour": 5, "minute": 52, "second": 32}
